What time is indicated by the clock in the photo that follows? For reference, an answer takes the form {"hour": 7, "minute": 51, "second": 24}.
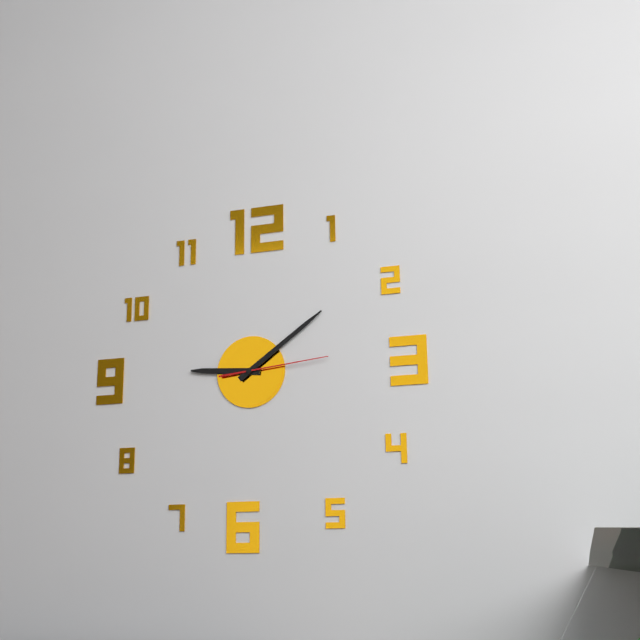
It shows {"hour": 9, "minute": 9, "second": 14}
